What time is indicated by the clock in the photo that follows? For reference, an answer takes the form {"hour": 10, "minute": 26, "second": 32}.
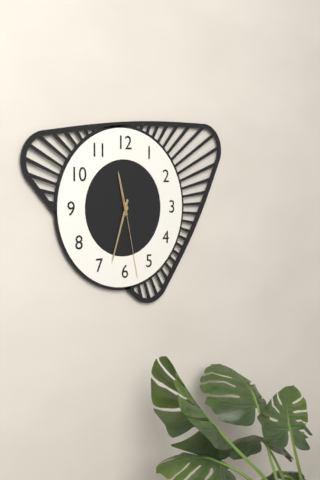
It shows {"hour": 11, "minute": 33, "second": 28}
